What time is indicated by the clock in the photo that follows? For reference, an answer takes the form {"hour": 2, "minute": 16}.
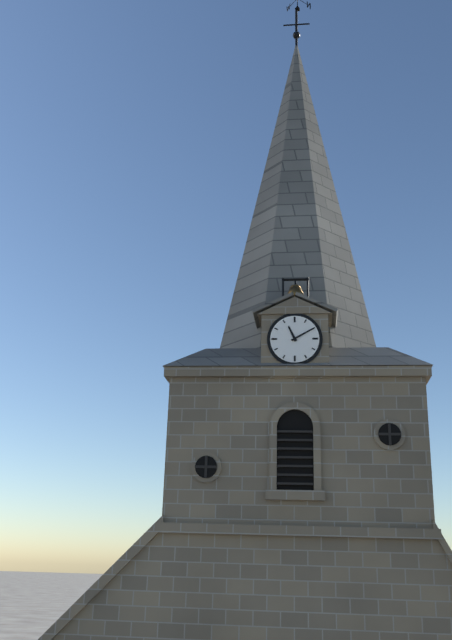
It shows {"hour": 11, "minute": 10}
